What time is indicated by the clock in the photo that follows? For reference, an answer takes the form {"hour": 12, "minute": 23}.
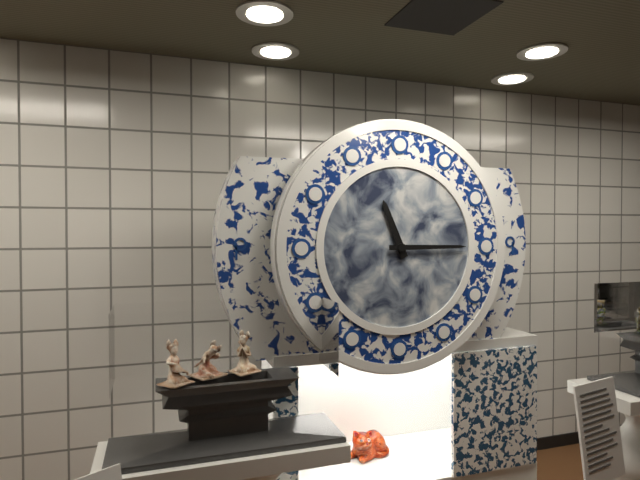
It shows {"hour": 11, "minute": 15}
